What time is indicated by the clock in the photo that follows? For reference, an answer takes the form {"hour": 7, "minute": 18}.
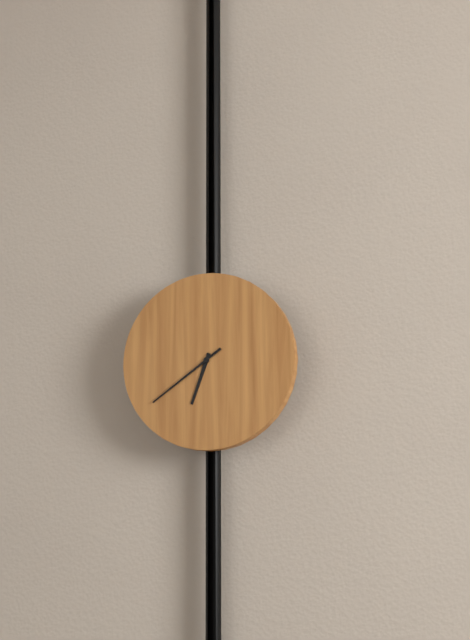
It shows {"hour": 6, "minute": 39}
